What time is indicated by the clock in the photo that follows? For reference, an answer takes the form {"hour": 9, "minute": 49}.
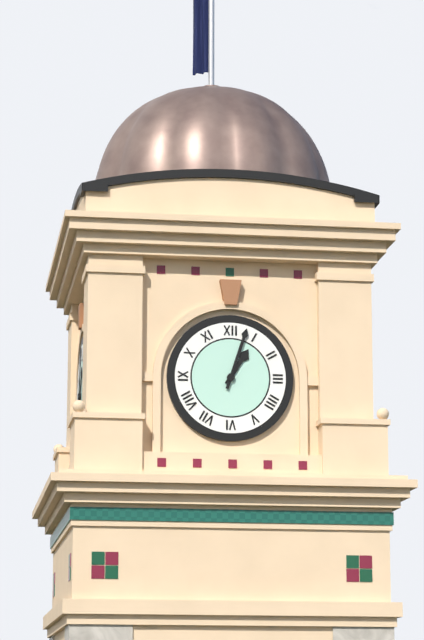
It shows {"hour": 1, "minute": 3}
